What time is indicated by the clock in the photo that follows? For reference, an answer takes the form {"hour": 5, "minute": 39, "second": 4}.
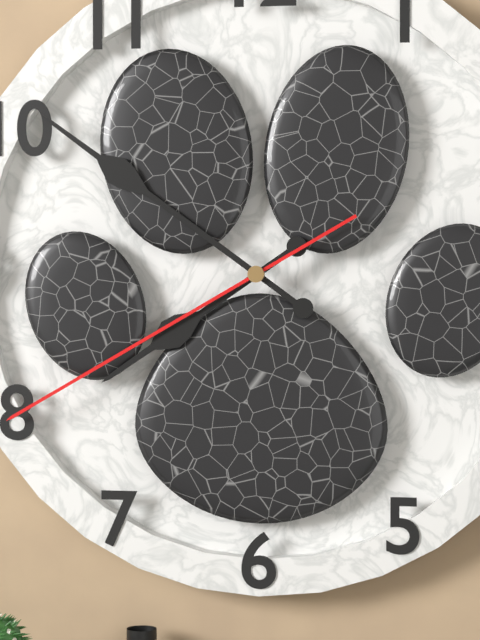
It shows {"hour": 7, "minute": 51, "second": 40}
